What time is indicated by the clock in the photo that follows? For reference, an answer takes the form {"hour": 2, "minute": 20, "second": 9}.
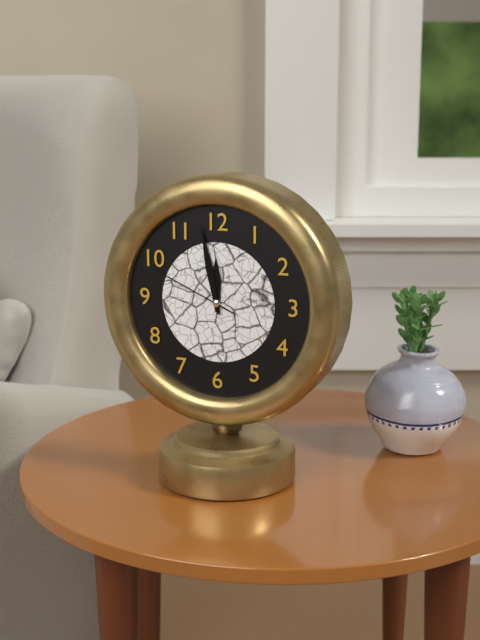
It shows {"hour": 11, "minute": 58, "second": 49}
